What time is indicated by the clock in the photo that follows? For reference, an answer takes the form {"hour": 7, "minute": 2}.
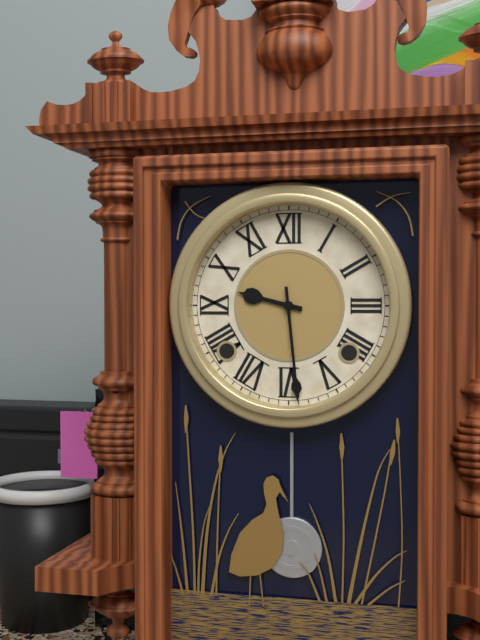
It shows {"hour": 9, "minute": 29}
